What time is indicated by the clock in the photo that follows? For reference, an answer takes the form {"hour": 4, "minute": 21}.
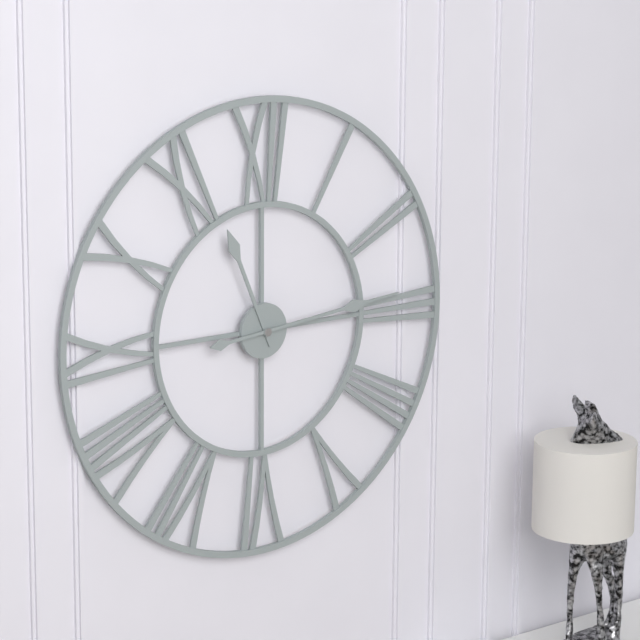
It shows {"hour": 11, "minute": 14}
